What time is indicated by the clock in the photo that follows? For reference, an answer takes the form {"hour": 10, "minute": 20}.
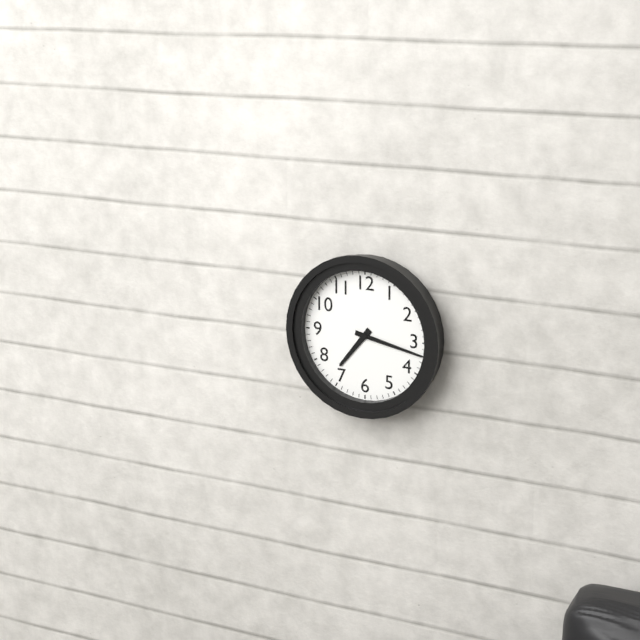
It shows {"hour": 7, "minute": 17}
